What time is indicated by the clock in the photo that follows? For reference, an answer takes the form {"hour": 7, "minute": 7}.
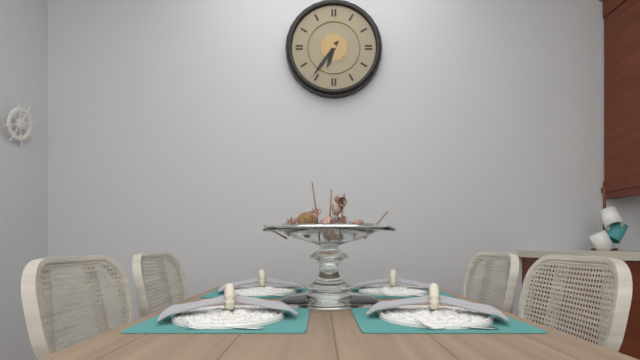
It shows {"hour": 6, "minute": 36}
